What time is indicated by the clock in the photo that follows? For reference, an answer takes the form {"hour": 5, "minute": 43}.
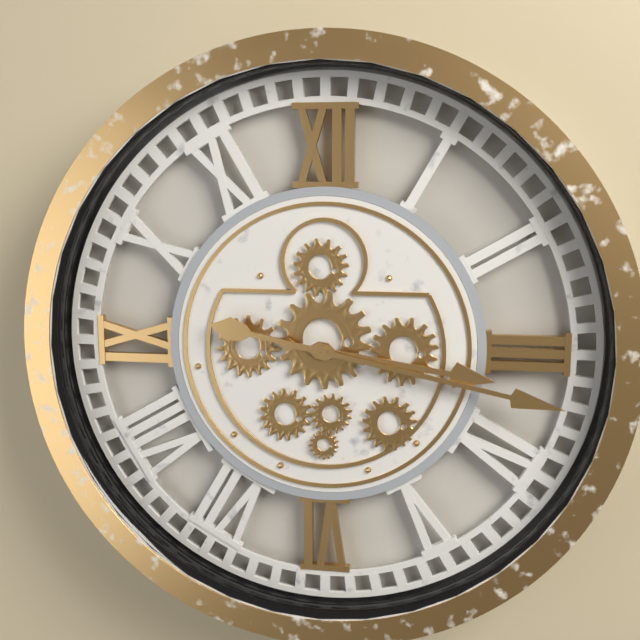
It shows {"hour": 3, "minute": 17}
